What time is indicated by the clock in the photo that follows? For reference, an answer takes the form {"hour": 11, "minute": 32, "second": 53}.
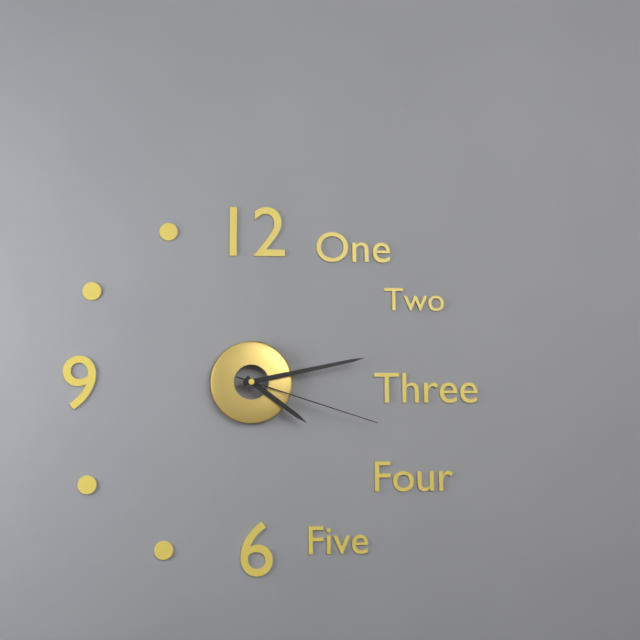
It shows {"hour": 4, "minute": 13, "second": 18}
